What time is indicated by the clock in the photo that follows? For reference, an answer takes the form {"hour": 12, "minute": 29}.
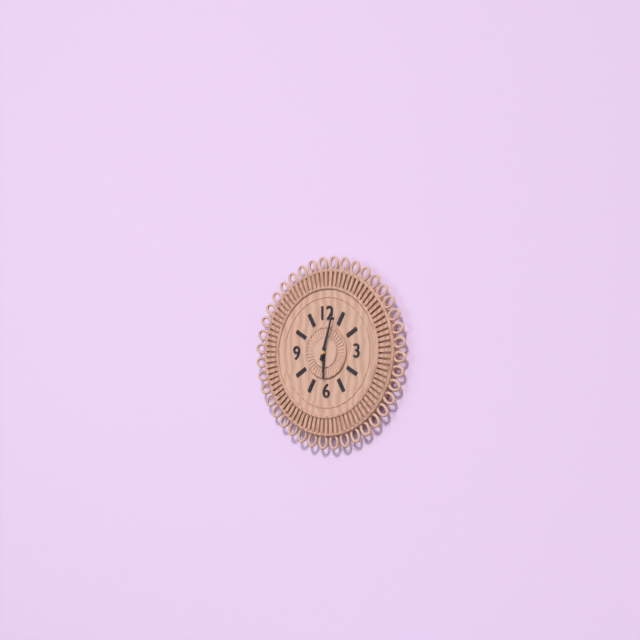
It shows {"hour": 6, "minute": 3}
